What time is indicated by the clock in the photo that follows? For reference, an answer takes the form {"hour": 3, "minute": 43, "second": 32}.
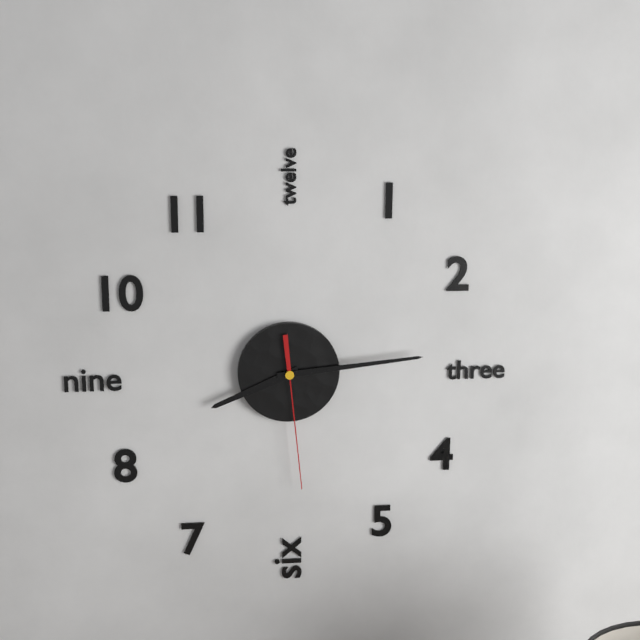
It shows {"hour": 8, "minute": 14, "second": 29}
